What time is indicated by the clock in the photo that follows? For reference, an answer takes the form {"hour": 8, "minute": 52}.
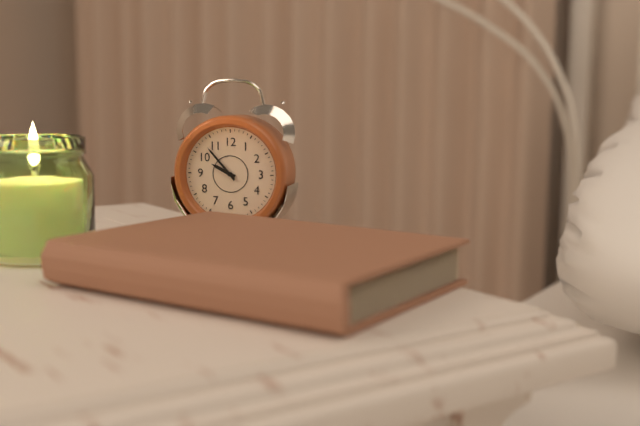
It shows {"hour": 9, "minute": 53}
